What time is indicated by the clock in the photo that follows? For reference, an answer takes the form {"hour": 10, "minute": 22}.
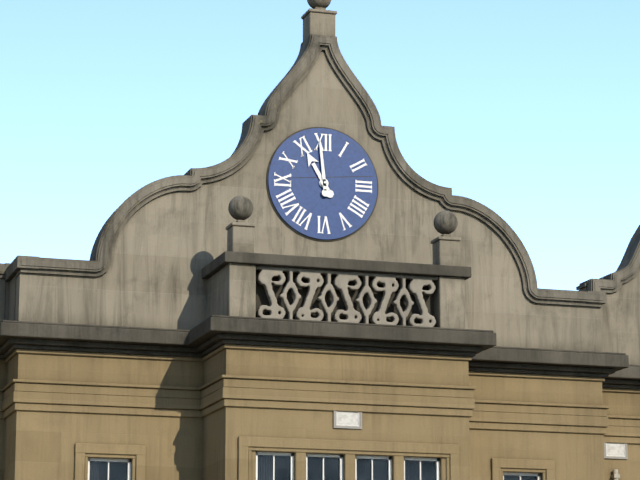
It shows {"hour": 10, "minute": 59}
